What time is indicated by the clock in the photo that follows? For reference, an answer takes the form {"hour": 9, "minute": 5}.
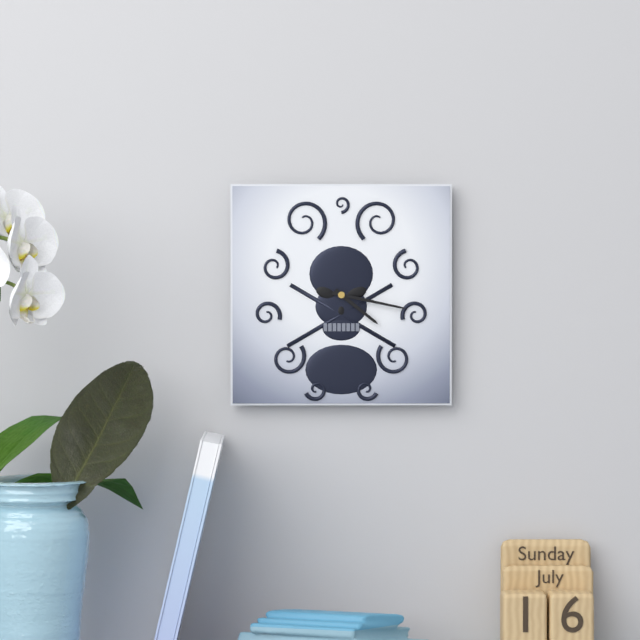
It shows {"hour": 4, "minute": 17}
